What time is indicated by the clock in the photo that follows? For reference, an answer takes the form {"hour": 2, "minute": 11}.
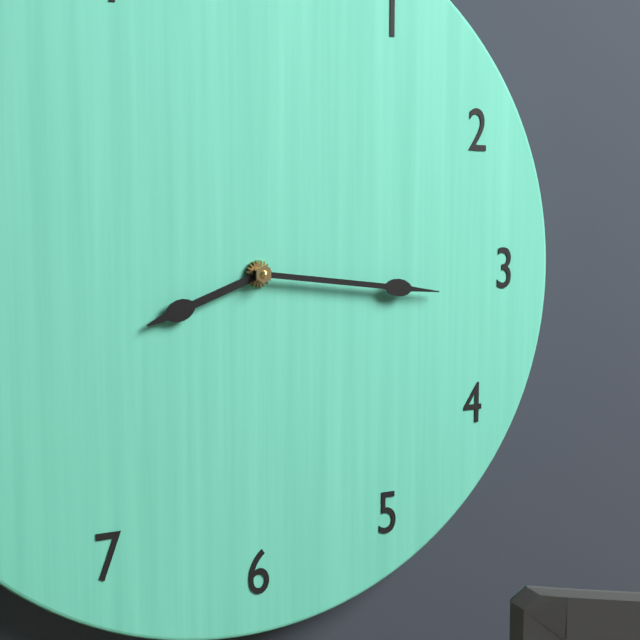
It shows {"hour": 8, "minute": 16}
